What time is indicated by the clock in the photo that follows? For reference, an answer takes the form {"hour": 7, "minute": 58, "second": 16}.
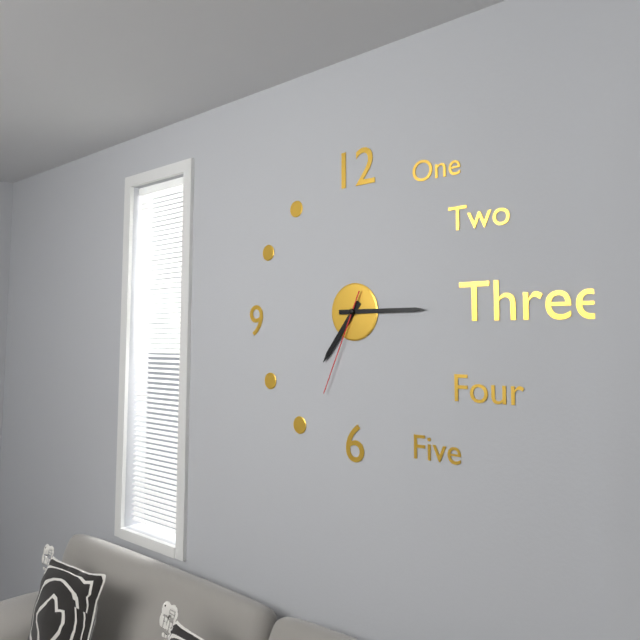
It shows {"hour": 7, "minute": 15, "second": 34}
